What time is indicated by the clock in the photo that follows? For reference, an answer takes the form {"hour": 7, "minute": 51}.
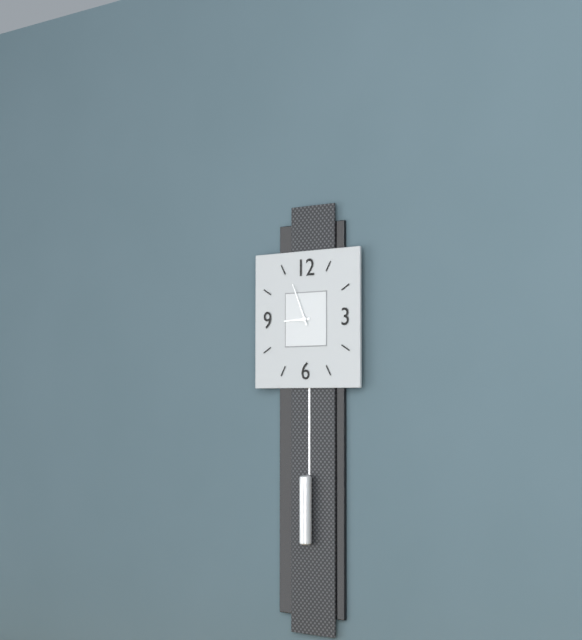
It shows {"hour": 8, "minute": 56}
